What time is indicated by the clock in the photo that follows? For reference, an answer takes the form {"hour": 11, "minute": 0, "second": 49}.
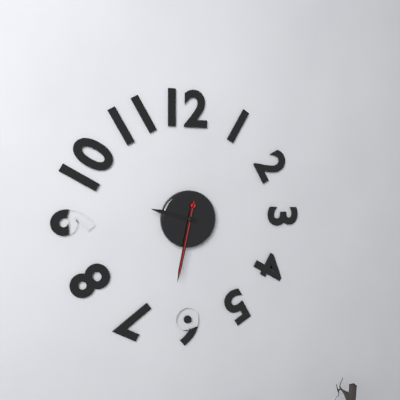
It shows {"hour": 9, "minute": 32, "second": 32}
